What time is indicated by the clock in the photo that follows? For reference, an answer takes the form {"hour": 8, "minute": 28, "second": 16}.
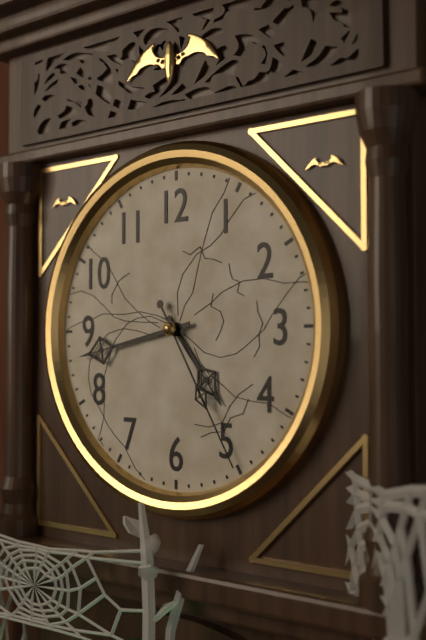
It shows {"hour": 4, "minute": 43, "second": 25}
